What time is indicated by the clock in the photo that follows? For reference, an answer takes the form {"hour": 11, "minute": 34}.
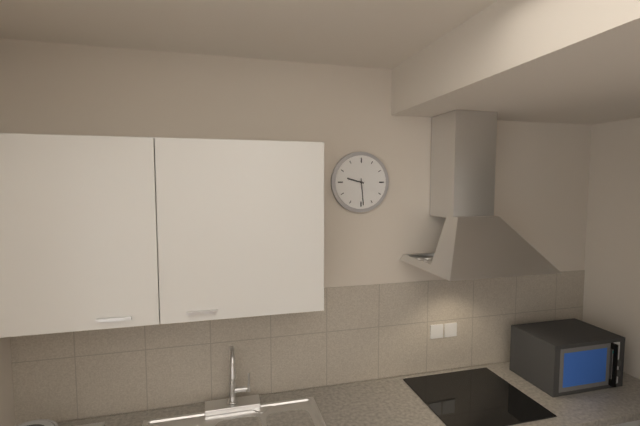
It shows {"hour": 9, "minute": 29}
